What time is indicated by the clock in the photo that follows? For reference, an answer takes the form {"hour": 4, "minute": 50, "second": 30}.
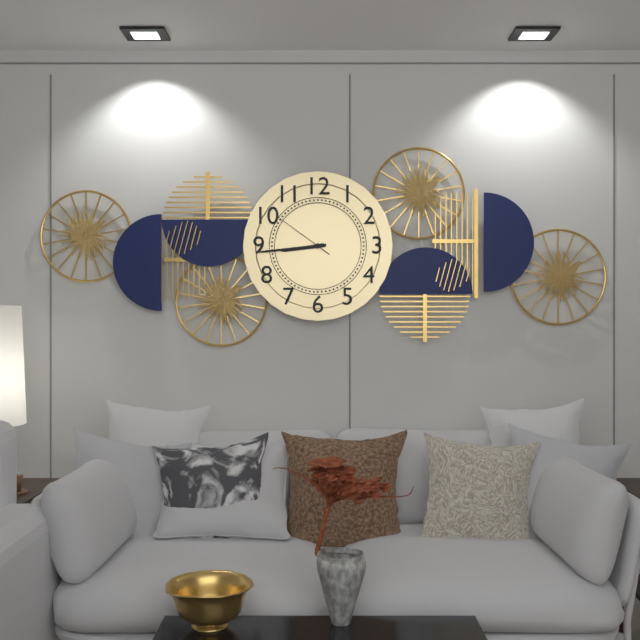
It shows {"hour": 8, "minute": 44, "second": 51}
